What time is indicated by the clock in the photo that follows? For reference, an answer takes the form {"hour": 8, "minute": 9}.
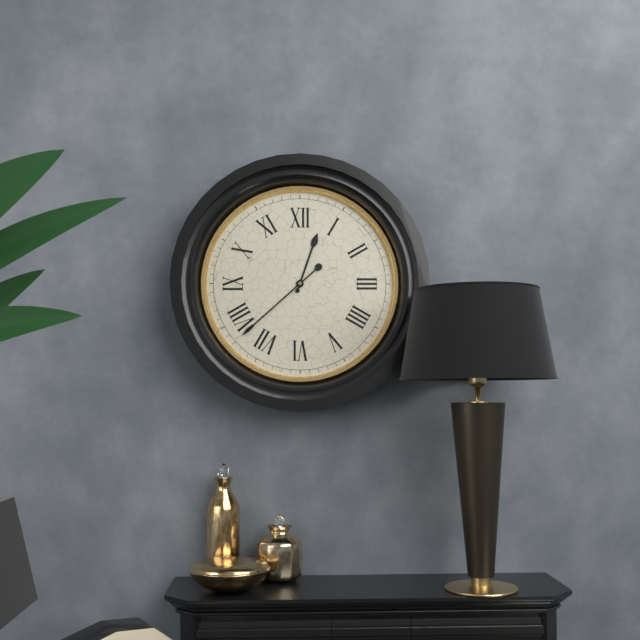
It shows {"hour": 12, "minute": 38}
